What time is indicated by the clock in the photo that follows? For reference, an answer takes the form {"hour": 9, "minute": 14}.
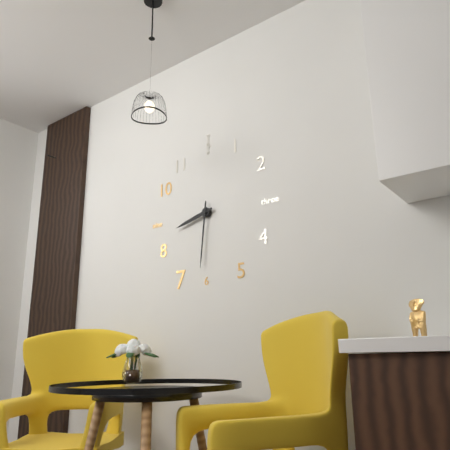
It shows {"hour": 8, "minute": 31}
